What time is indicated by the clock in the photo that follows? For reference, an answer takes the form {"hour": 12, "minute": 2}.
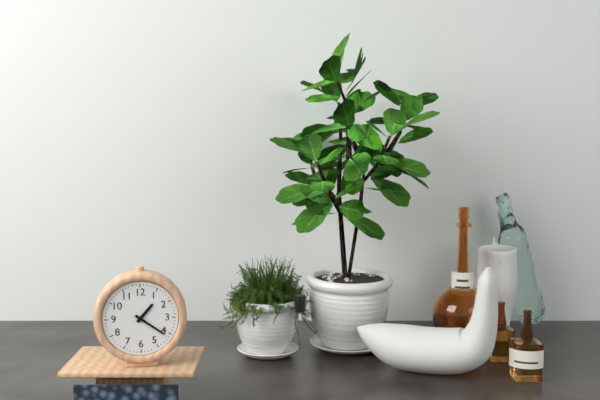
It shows {"hour": 1, "minute": 21}
